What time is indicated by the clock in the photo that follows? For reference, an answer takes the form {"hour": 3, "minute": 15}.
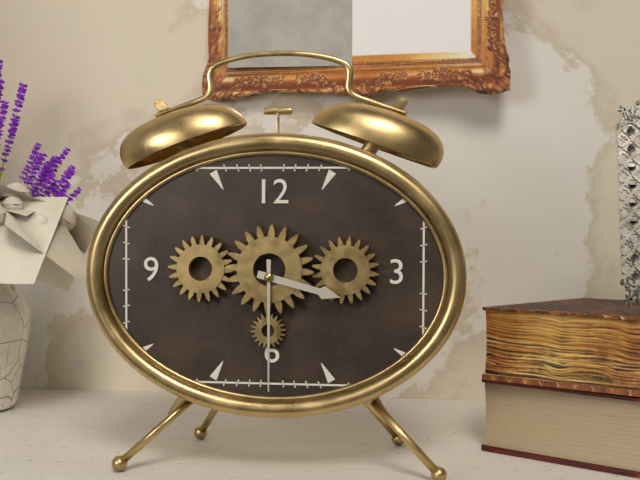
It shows {"hour": 3, "minute": 30}
